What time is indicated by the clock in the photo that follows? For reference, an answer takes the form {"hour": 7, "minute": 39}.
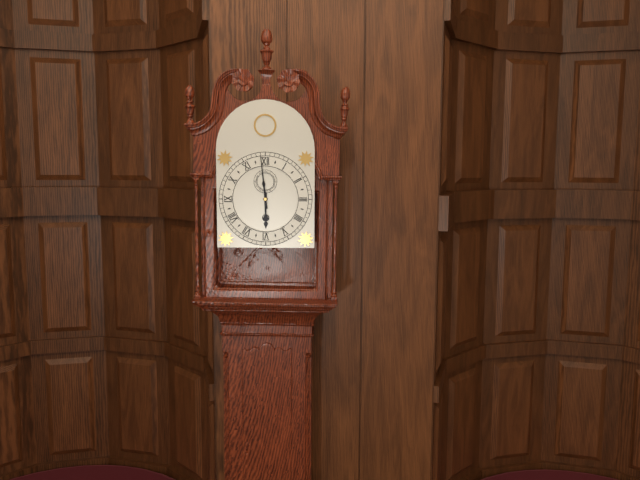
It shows {"hour": 5, "minute": 59}
